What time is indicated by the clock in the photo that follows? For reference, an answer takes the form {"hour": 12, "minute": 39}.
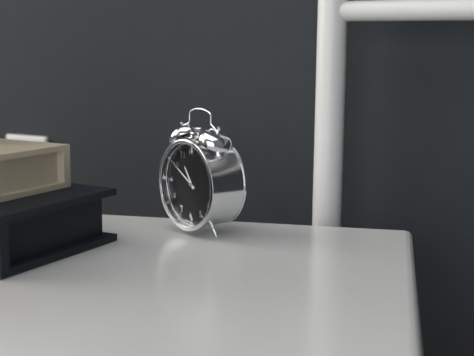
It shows {"hour": 10, "minute": 50}
